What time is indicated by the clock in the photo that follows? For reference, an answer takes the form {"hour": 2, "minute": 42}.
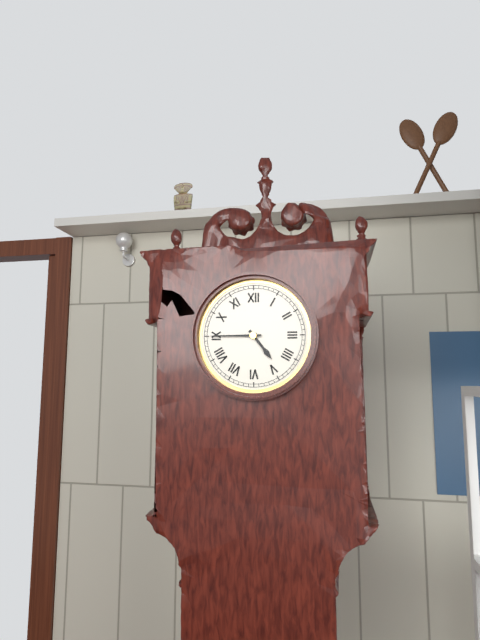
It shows {"hour": 4, "minute": 45}
